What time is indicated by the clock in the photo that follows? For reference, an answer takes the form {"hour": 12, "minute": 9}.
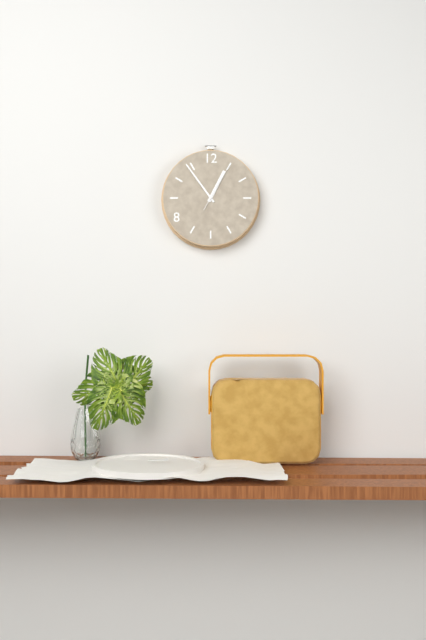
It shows {"hour": 12, "minute": 54}
